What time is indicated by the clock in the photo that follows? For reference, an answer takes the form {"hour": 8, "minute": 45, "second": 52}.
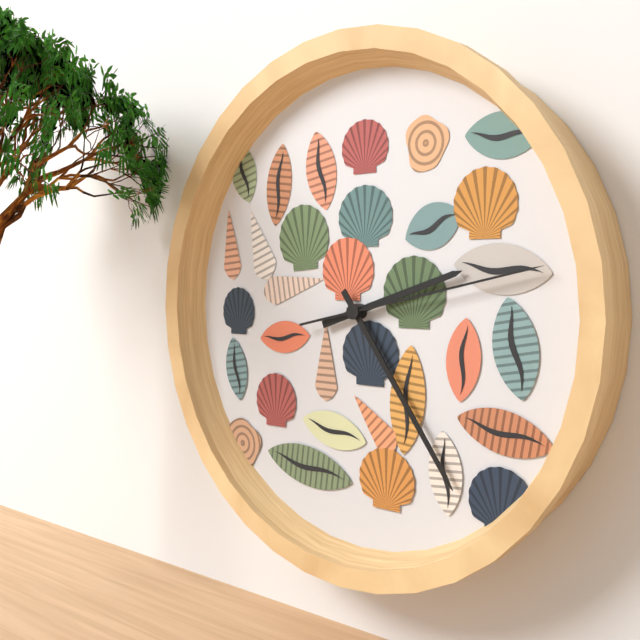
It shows {"hour": 2, "minute": 24, "second": 13}
